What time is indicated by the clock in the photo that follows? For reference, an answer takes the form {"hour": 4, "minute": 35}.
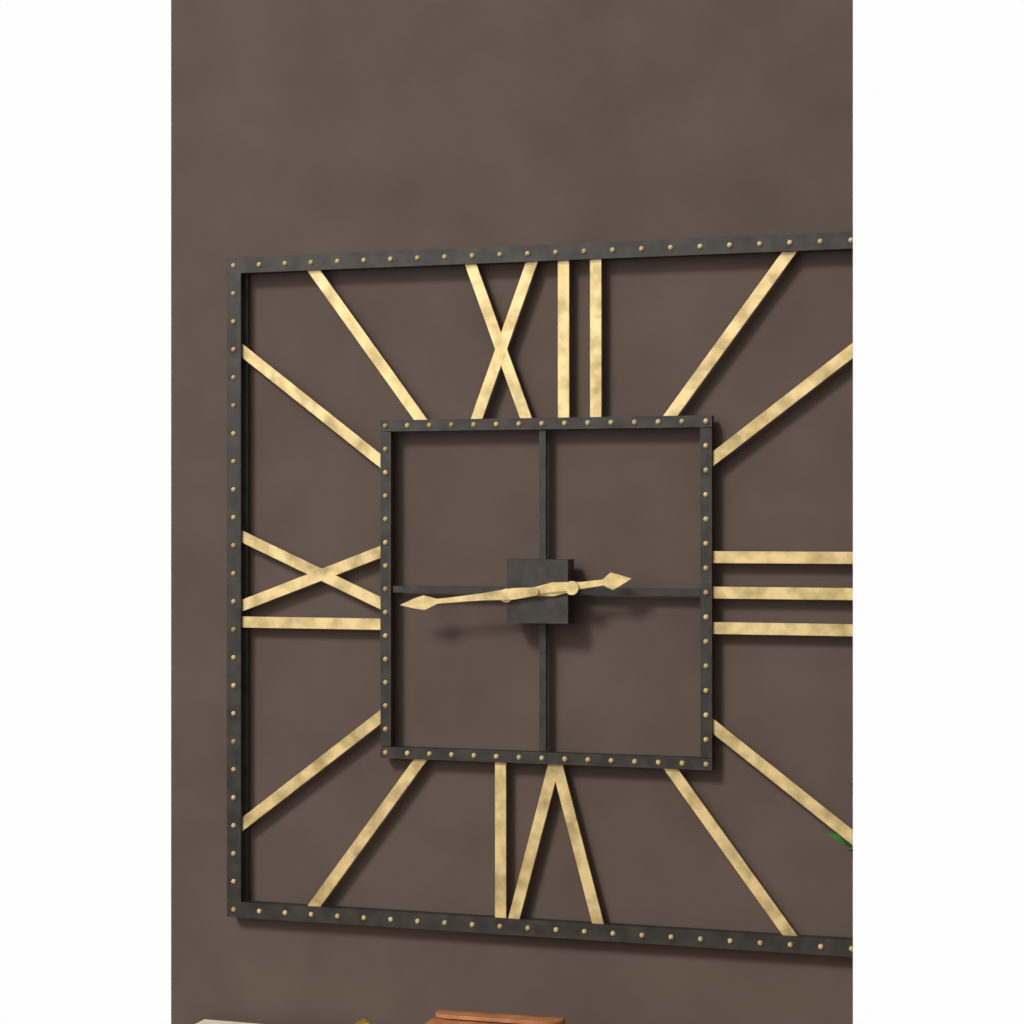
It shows {"hour": 2, "minute": 44}
